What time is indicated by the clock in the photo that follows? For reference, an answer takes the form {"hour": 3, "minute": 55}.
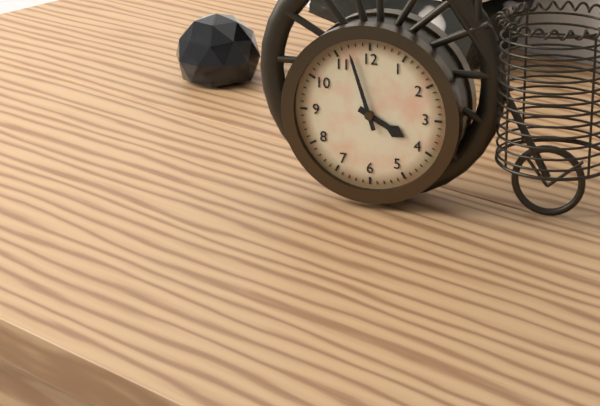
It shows {"hour": 3, "minute": 57}
